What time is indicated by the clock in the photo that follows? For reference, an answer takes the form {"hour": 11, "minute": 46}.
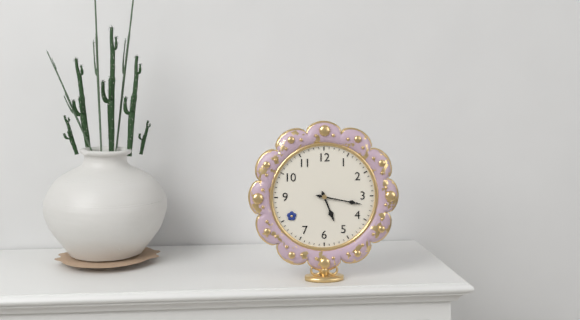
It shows {"hour": 5, "minute": 17}
